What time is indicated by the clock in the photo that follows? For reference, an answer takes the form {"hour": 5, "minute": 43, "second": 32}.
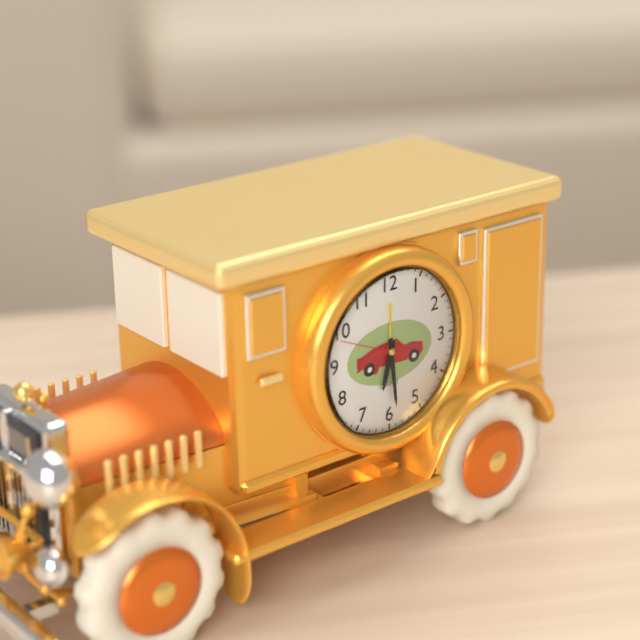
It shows {"hour": 6, "minute": 29, "second": 49}
